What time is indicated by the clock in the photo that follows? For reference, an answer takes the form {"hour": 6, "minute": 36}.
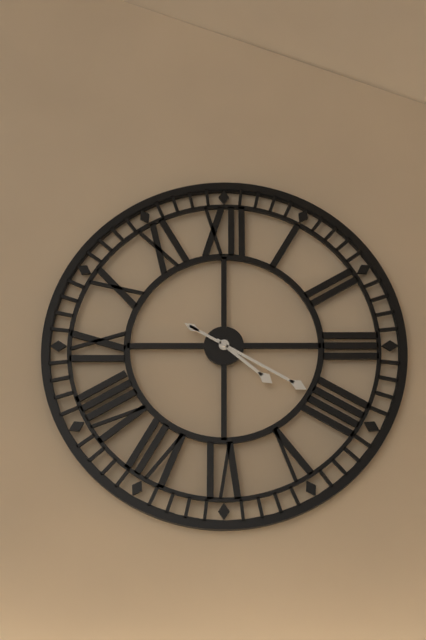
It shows {"hour": 4, "minute": 20}
